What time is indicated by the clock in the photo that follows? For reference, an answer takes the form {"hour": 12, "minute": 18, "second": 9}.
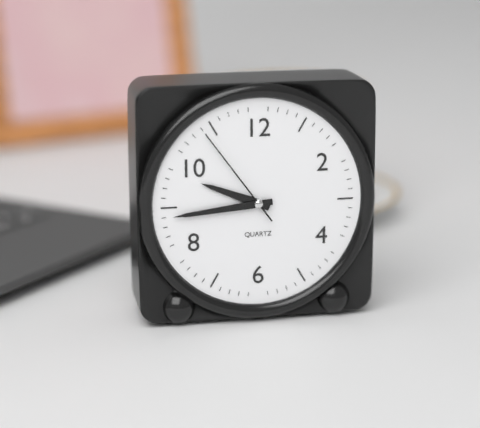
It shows {"hour": 9, "minute": 44, "second": 54}
